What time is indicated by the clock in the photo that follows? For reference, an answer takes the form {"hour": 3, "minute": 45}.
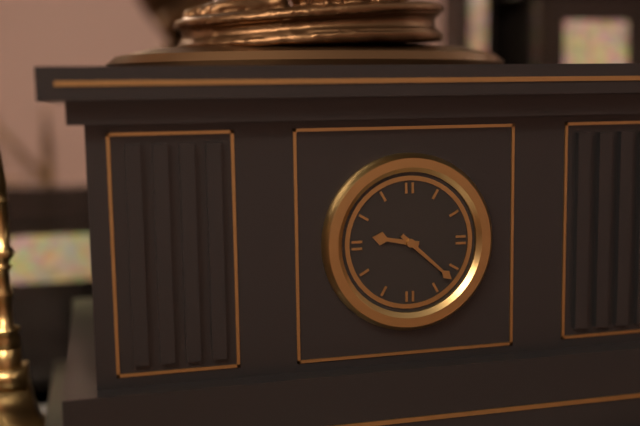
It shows {"hour": 9, "minute": 22}
